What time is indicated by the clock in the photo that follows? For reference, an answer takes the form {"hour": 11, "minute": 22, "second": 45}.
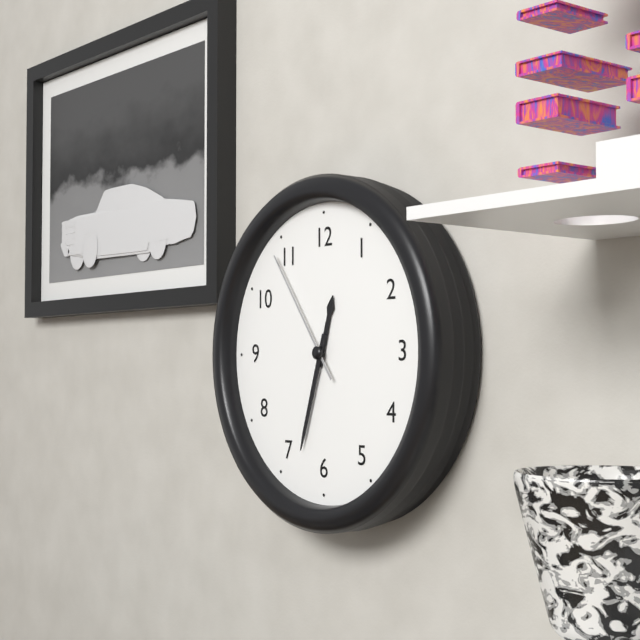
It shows {"hour": 12, "minute": 33, "second": 54}
